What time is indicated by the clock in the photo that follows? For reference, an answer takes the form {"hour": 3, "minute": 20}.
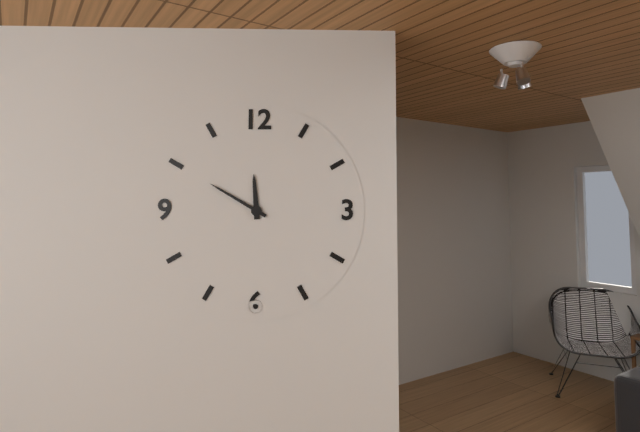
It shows {"hour": 11, "minute": 50}
